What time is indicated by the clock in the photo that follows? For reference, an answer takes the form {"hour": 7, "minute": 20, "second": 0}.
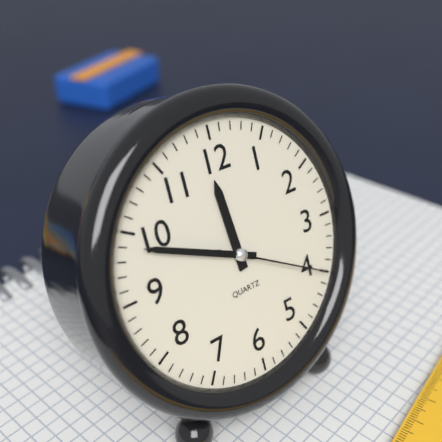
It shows {"hour": 11, "minute": 49, "second": 20}
